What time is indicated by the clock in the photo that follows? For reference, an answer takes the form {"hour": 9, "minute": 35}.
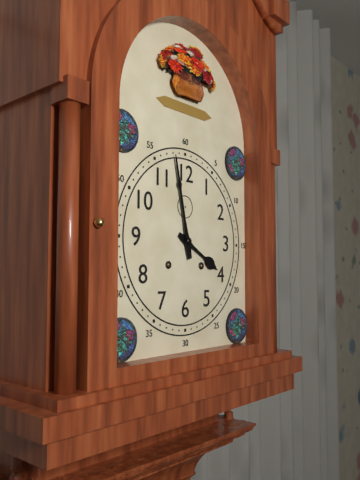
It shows {"hour": 3, "minute": 58}
